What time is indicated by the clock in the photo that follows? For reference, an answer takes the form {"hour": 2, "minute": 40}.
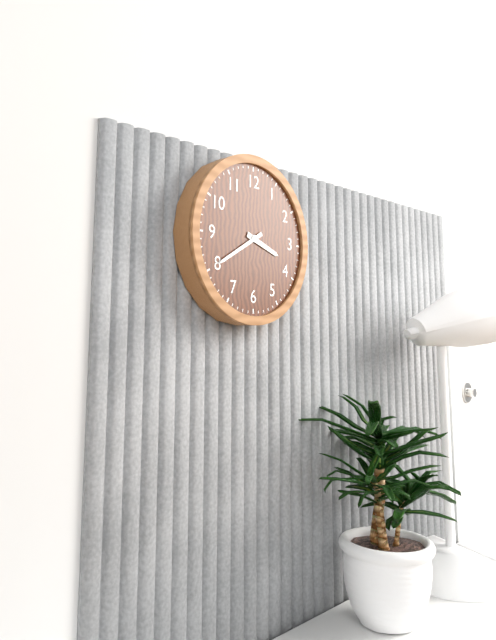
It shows {"hour": 3, "minute": 40}
